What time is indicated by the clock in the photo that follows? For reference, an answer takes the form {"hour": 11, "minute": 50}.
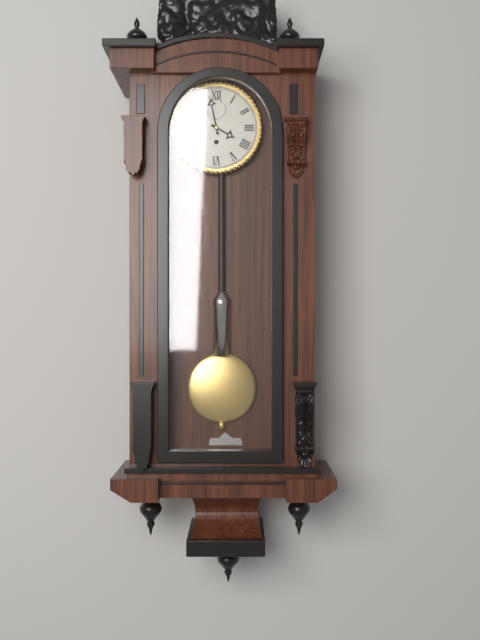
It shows {"hour": 3, "minute": 58}
